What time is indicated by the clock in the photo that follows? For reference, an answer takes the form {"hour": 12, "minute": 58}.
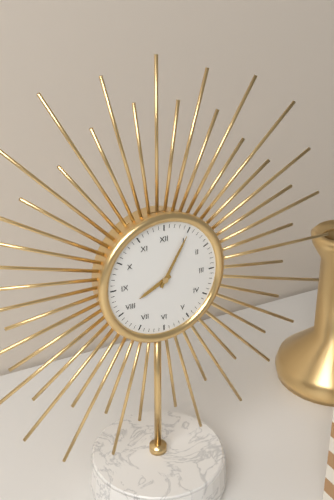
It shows {"hour": 8, "minute": 5}
